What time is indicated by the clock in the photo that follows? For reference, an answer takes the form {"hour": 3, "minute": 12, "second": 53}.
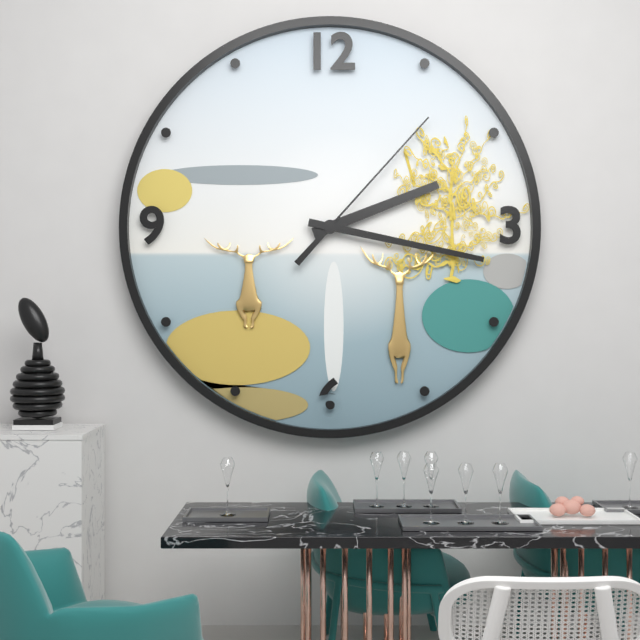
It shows {"hour": 2, "minute": 17, "second": 7}
